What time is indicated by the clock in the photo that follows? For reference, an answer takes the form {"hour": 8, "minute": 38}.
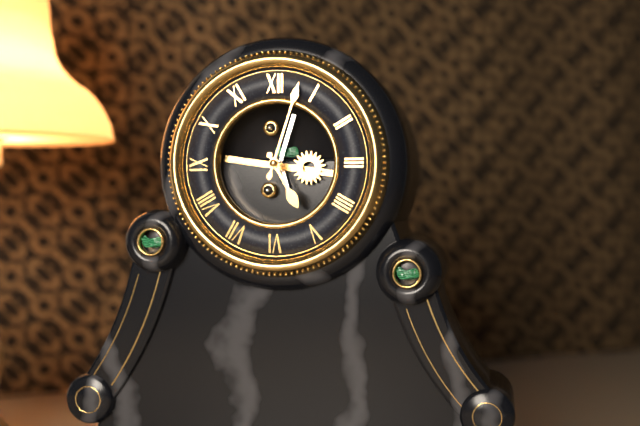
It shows {"hour": 5, "minute": 3}
